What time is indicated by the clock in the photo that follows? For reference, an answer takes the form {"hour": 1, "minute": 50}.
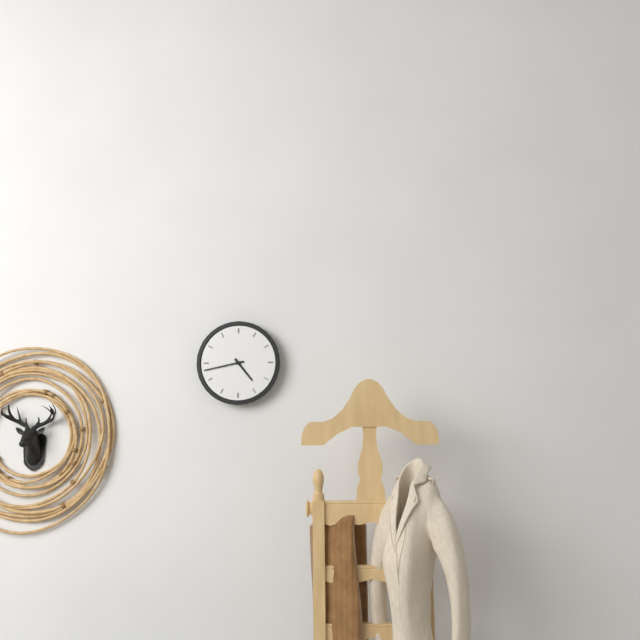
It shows {"hour": 4, "minute": 43}
